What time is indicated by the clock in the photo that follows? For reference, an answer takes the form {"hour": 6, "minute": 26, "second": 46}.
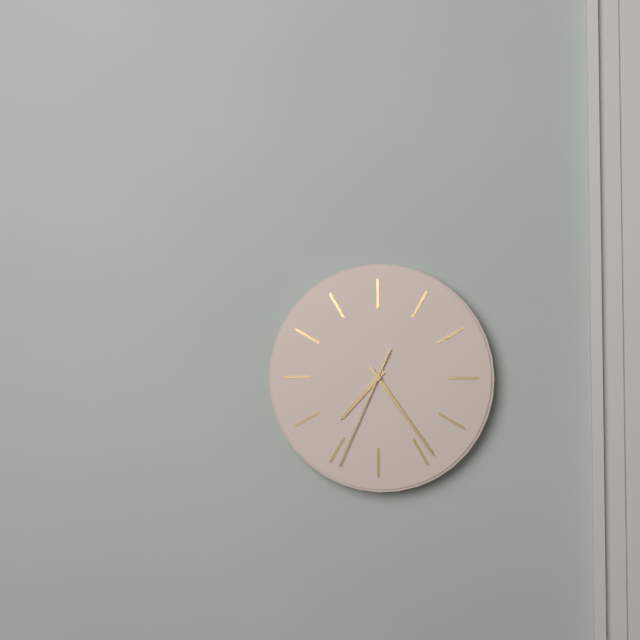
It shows {"hour": 7, "minute": 24, "second": 34}
